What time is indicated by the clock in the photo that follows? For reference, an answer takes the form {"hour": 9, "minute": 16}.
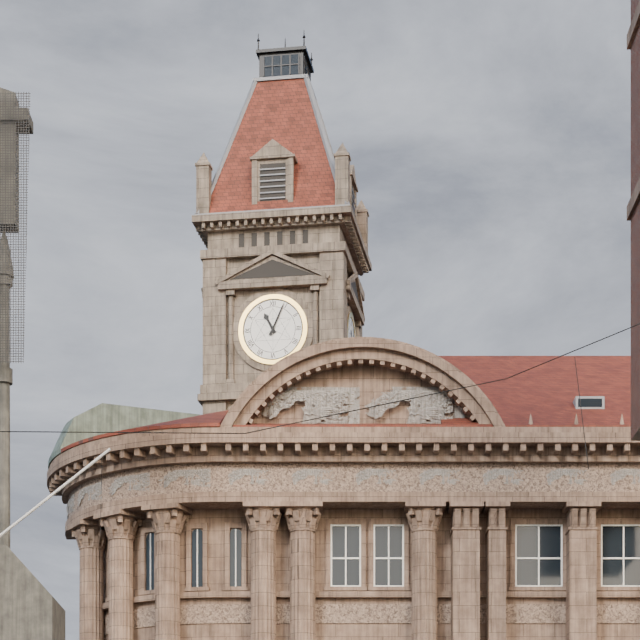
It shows {"hour": 11, "minute": 4}
